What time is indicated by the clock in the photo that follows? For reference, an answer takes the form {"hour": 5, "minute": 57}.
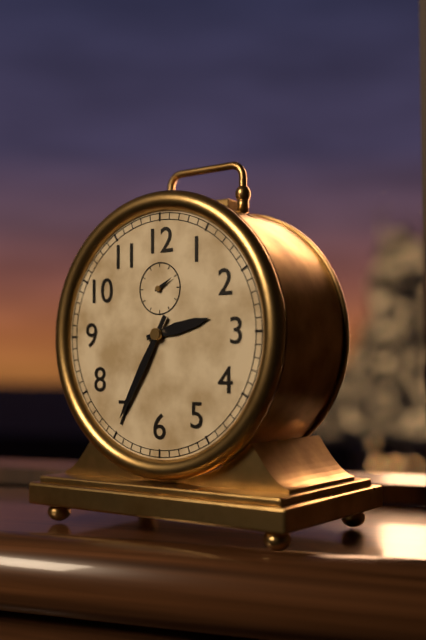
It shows {"hour": 2, "minute": 35}
